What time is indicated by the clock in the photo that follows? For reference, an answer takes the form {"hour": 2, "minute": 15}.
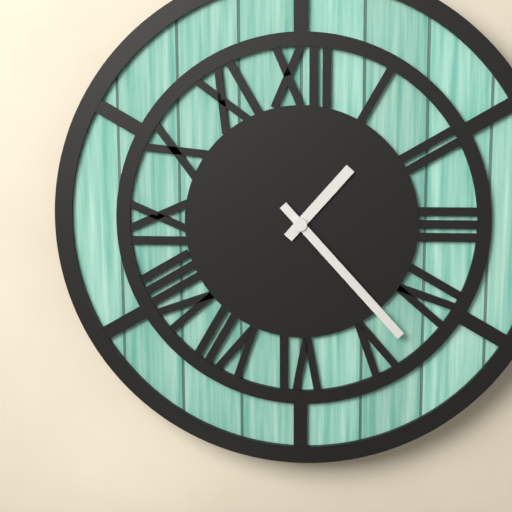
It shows {"hour": 1, "minute": 23}
